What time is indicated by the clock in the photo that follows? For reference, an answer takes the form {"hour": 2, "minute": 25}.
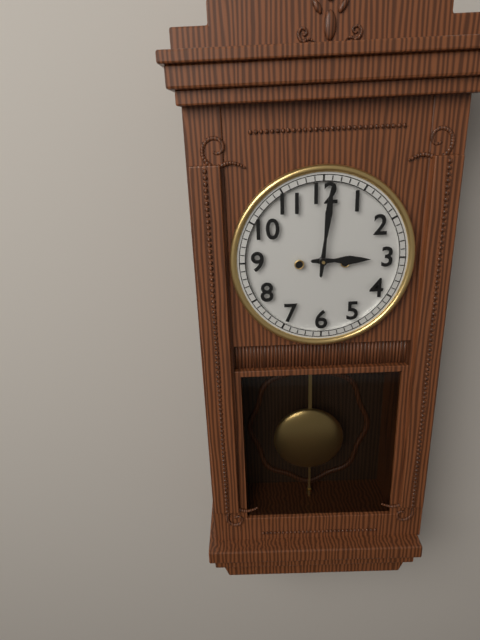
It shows {"hour": 3, "minute": 1}
